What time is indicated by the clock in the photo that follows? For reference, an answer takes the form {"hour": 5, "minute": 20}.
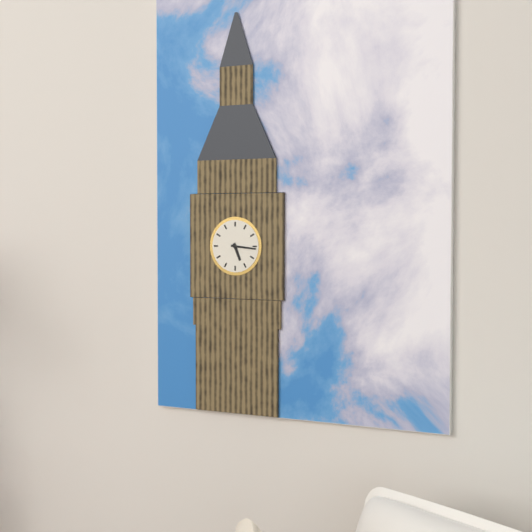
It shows {"hour": 5, "minute": 16}
